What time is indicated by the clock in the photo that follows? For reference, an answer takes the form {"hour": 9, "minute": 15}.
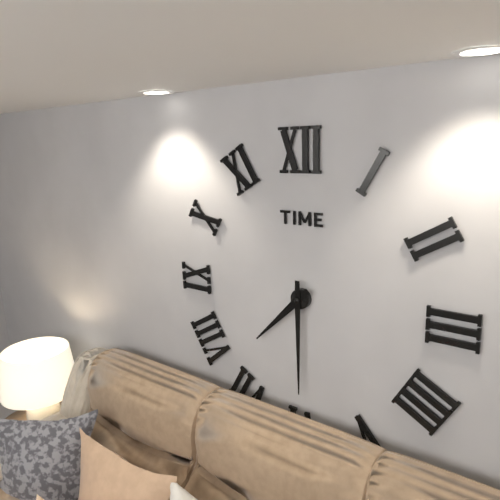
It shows {"hour": 7, "minute": 30}
